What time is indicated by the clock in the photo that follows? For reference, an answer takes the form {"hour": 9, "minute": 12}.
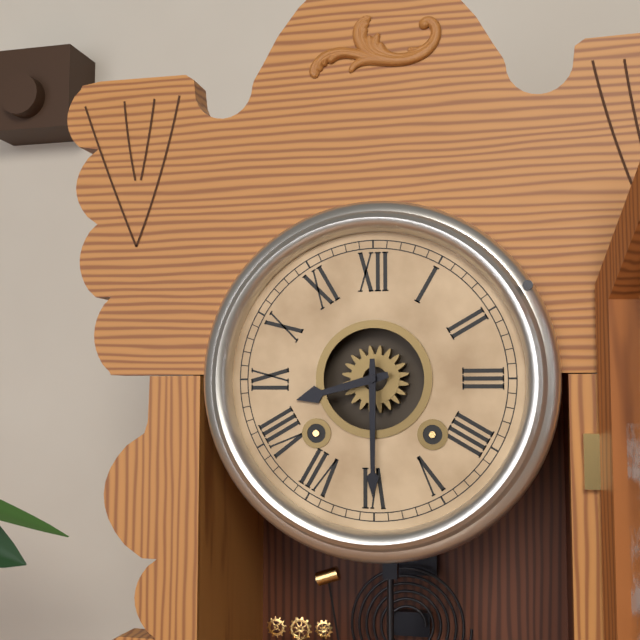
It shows {"hour": 8, "minute": 30}
